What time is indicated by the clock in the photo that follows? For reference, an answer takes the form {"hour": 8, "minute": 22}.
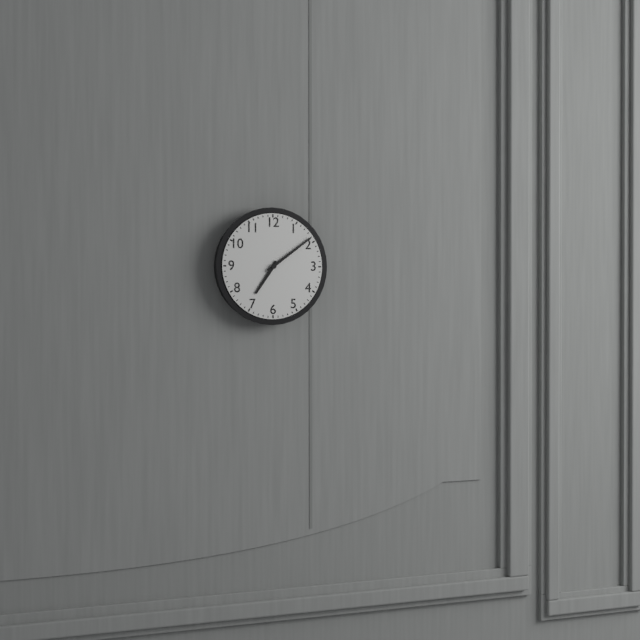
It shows {"hour": 7, "minute": 9}
